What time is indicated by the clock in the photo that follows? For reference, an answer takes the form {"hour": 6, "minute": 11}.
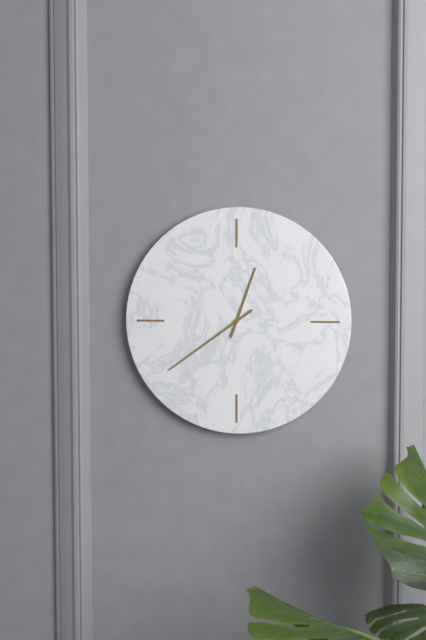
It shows {"hour": 12, "minute": 39}
